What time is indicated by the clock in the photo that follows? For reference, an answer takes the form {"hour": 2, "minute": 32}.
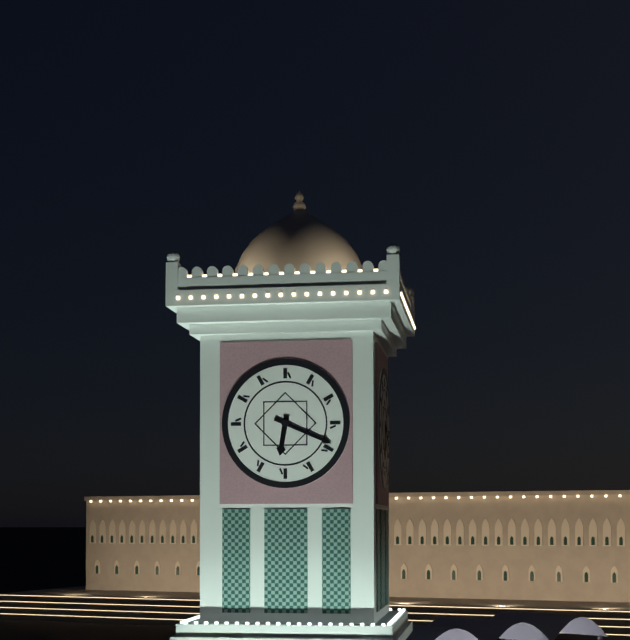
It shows {"hour": 6, "minute": 19}
